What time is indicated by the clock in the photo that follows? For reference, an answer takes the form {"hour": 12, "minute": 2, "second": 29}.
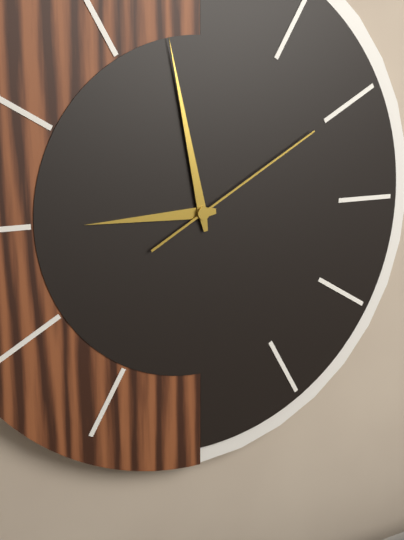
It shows {"hour": 8, "minute": 58, "second": 10}
